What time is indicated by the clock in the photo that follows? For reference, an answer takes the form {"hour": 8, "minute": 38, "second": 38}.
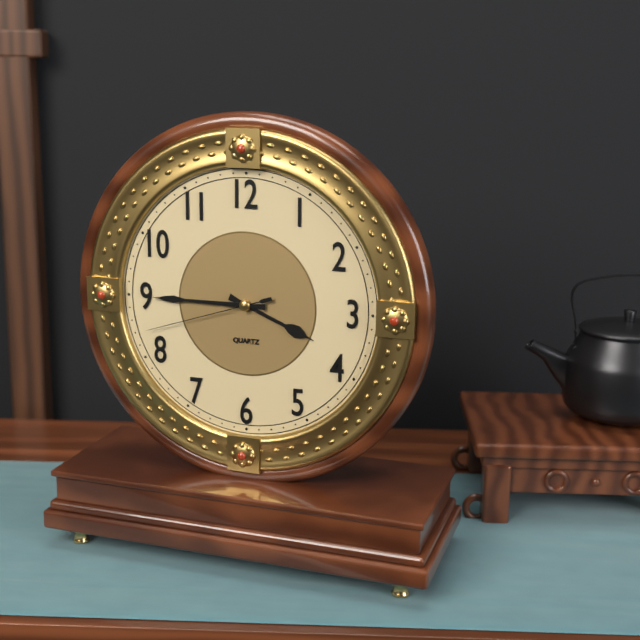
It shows {"hour": 3, "minute": 45, "second": 42}
